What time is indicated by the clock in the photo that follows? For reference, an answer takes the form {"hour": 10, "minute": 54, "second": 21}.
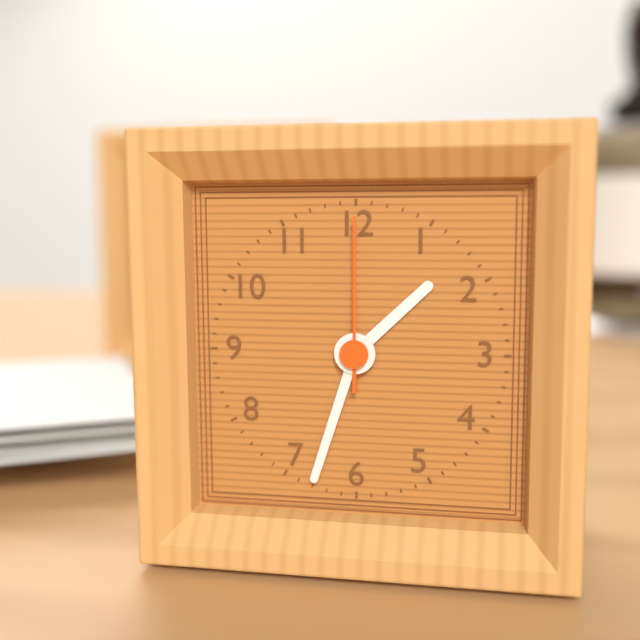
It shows {"hour": 1, "minute": 33, "second": 0}
